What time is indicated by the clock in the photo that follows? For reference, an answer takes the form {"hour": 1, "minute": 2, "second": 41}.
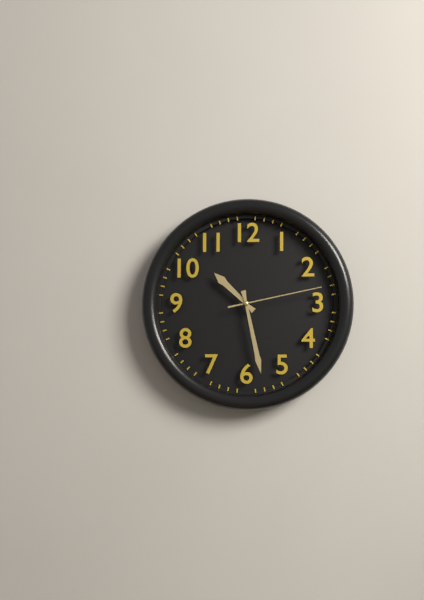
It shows {"hour": 10, "minute": 28, "second": 13}
